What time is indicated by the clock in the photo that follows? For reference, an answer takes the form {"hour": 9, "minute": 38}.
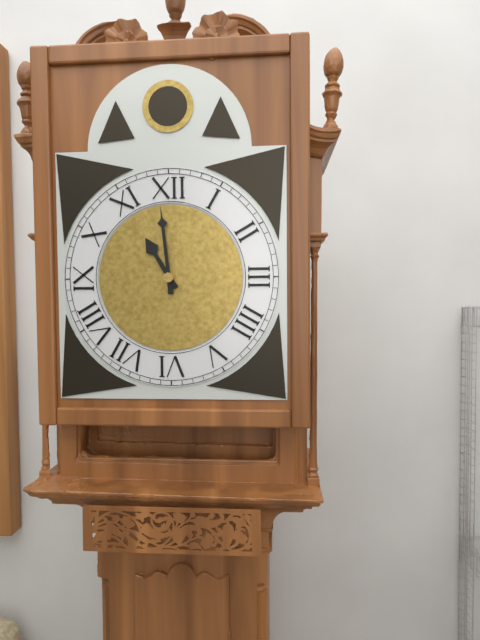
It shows {"hour": 10, "minute": 59}
